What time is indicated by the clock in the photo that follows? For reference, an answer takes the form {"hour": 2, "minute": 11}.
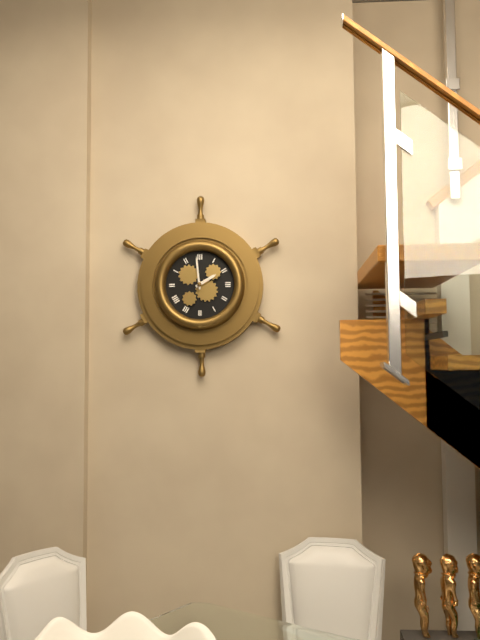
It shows {"hour": 1, "minute": 59}
